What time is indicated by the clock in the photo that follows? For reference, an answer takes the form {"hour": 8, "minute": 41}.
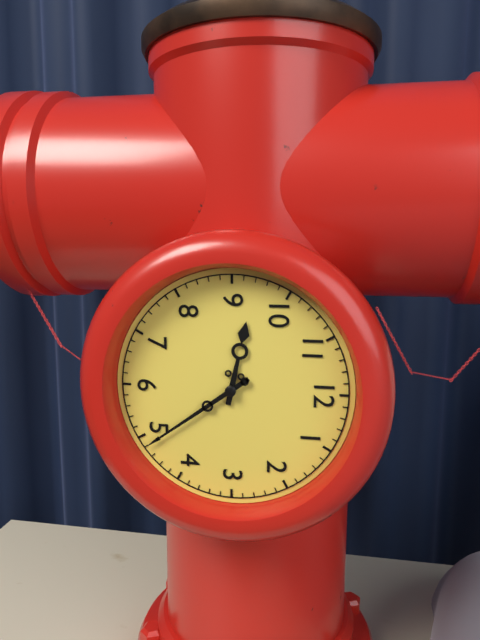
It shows {"hour": 9, "minute": 24}
